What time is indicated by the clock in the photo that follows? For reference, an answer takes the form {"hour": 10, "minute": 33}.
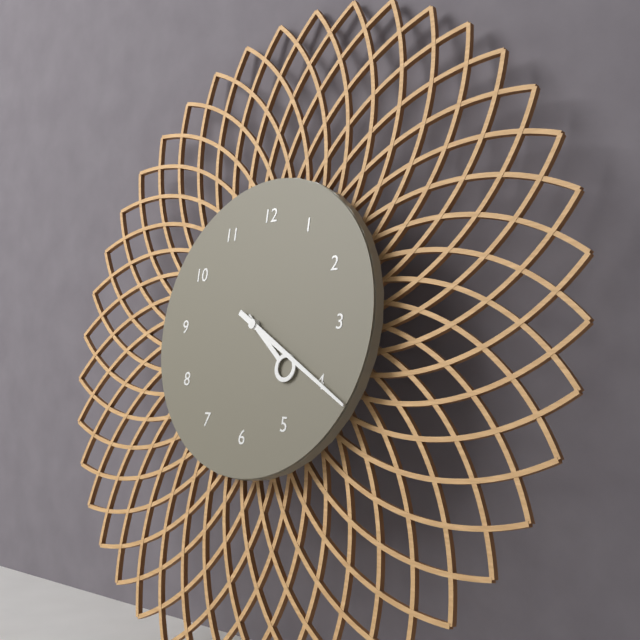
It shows {"hour": 4, "minute": 20}
